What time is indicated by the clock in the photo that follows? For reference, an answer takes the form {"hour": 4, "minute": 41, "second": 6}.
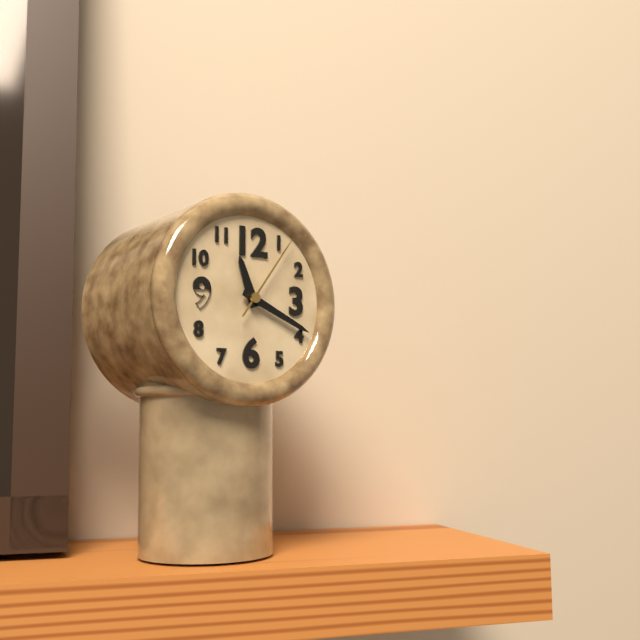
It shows {"hour": 11, "minute": 19, "second": 6}
